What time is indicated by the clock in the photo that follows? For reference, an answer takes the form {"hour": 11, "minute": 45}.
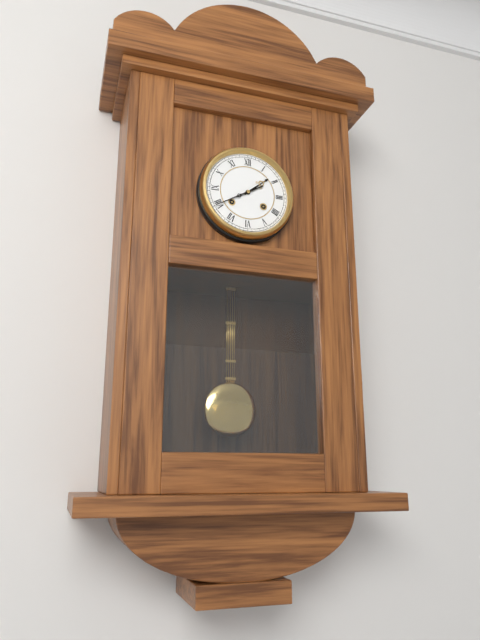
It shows {"hour": 1, "minute": 40}
